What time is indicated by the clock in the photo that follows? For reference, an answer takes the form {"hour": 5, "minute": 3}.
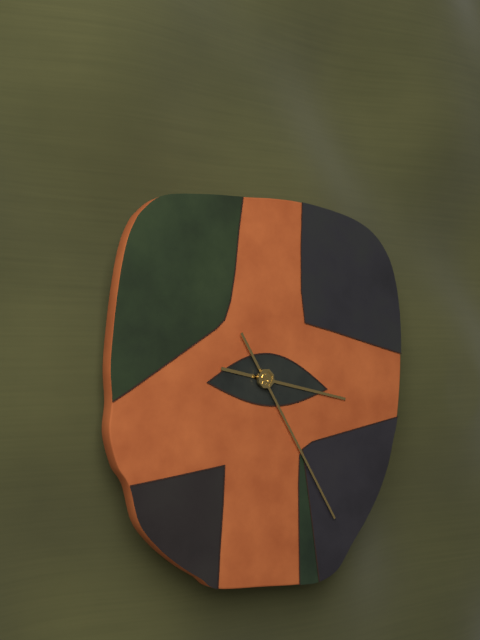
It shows {"hour": 3, "minute": 25}
